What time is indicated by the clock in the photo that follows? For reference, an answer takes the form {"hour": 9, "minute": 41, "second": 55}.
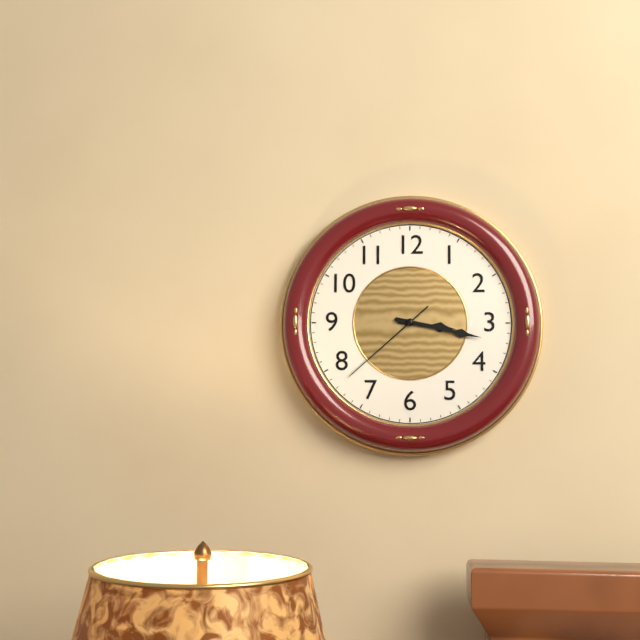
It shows {"hour": 3, "minute": 17, "second": 38}
